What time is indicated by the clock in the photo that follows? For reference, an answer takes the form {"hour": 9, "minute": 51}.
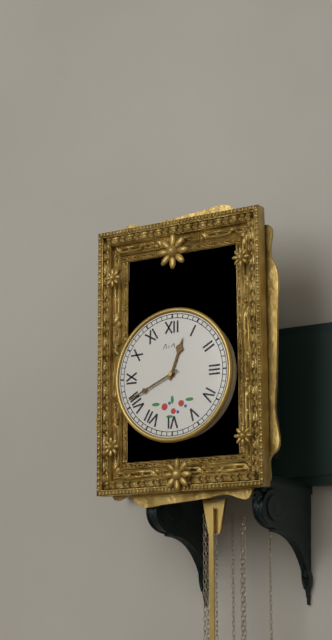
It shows {"hour": 12, "minute": 41}
